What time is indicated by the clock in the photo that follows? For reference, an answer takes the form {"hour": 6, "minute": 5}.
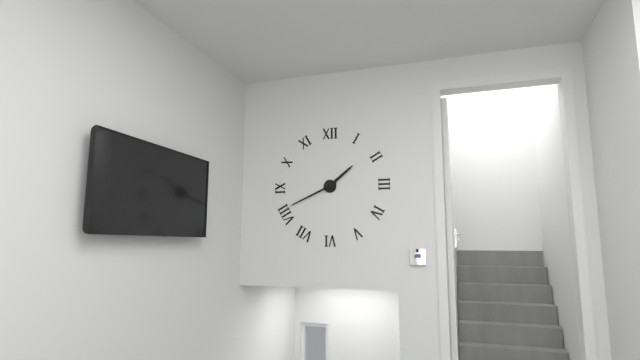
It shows {"hour": 1, "minute": 41}
